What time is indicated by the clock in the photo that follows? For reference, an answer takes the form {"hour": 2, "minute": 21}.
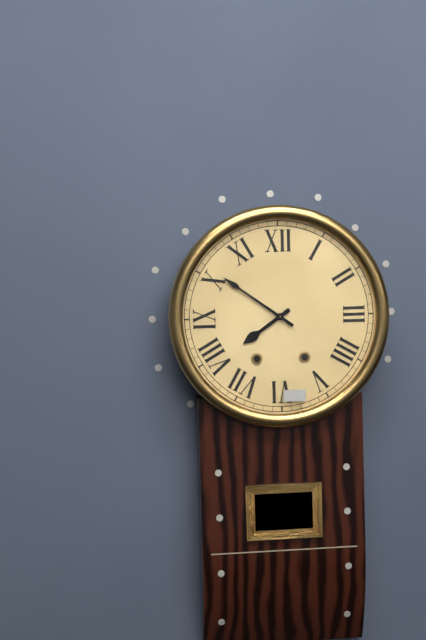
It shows {"hour": 7, "minute": 51}
